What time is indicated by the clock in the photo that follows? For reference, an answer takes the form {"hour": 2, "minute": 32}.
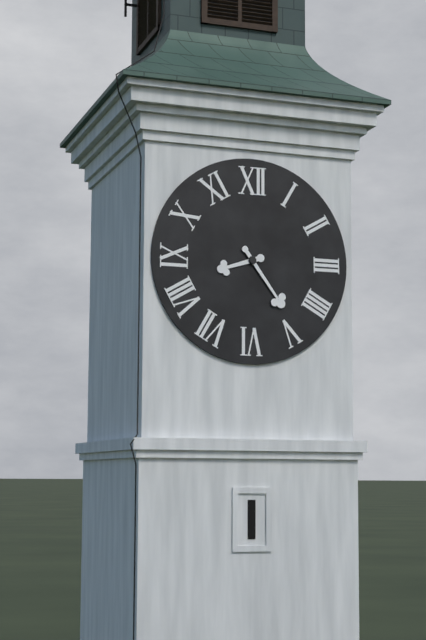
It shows {"hour": 8, "minute": 24}
